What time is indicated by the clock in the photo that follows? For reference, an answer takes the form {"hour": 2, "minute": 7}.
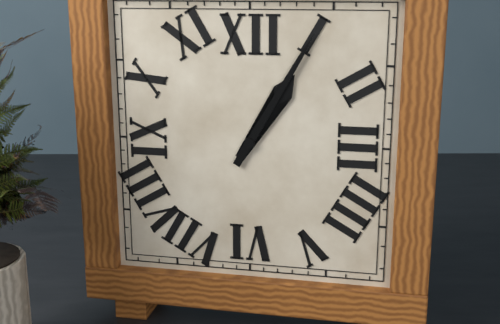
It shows {"hour": 1, "minute": 5}
